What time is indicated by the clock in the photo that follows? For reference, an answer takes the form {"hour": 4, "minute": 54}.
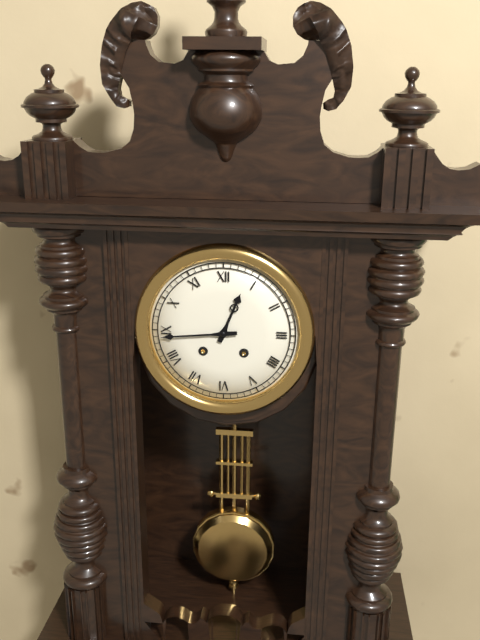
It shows {"hour": 12, "minute": 44}
